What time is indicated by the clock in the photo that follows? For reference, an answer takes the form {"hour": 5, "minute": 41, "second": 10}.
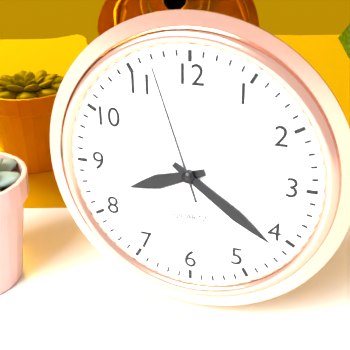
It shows {"hour": 8, "minute": 21, "second": 57}
